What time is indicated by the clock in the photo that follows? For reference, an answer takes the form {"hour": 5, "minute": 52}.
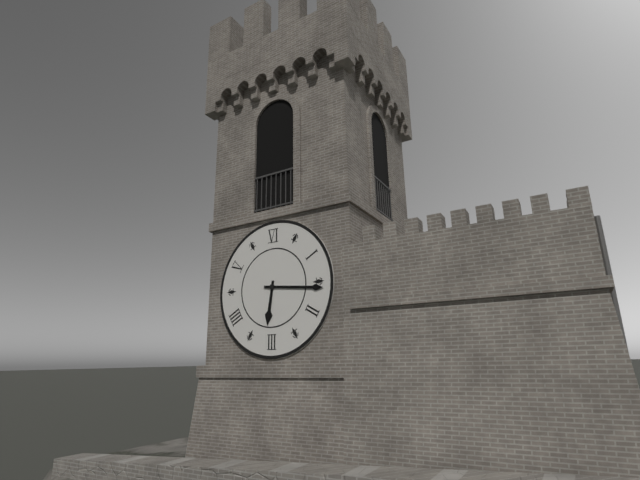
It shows {"hour": 6, "minute": 16}
